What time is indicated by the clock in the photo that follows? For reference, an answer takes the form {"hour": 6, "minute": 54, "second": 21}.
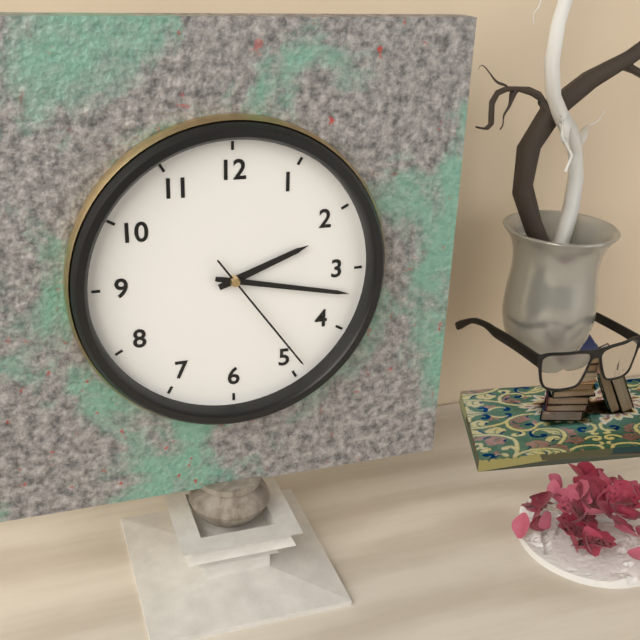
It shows {"hour": 2, "minute": 17, "second": 24}
